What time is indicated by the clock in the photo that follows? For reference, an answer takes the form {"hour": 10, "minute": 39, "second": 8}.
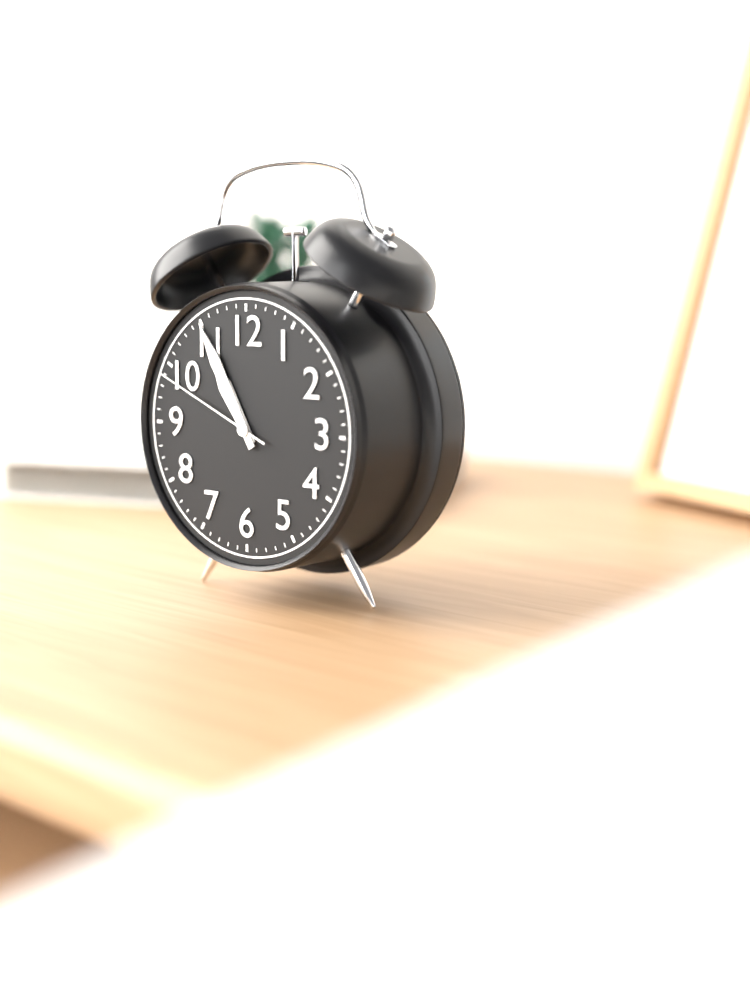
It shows {"hour": 10, "minute": 55, "second": 49}
